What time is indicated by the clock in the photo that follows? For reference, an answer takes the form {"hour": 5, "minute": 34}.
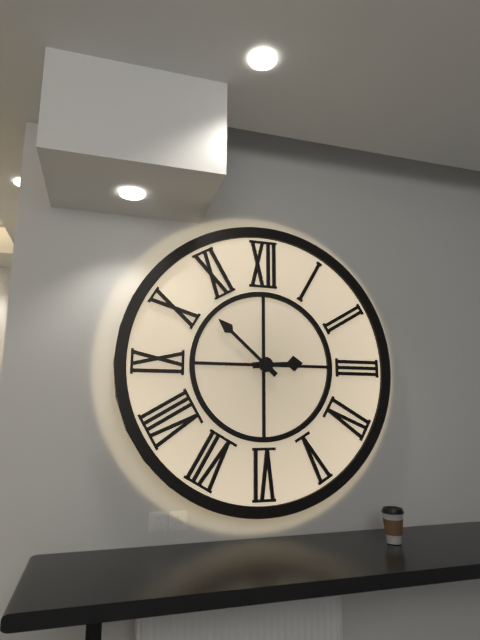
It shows {"hour": 2, "minute": 52}
